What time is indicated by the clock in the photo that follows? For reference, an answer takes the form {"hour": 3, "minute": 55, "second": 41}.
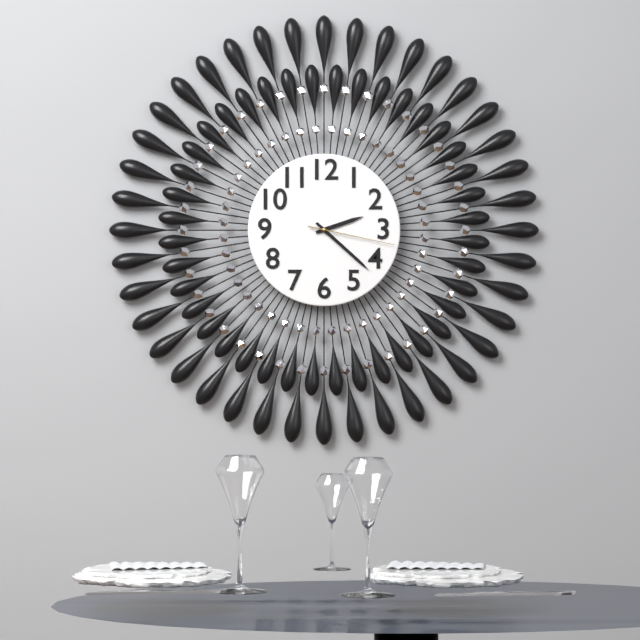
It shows {"hour": 2, "minute": 22, "second": 17}
